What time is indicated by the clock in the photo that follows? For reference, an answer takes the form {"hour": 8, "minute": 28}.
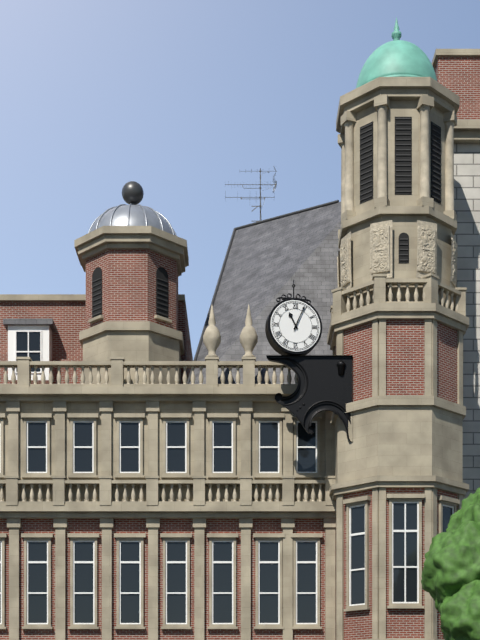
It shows {"hour": 11, "minute": 4}
